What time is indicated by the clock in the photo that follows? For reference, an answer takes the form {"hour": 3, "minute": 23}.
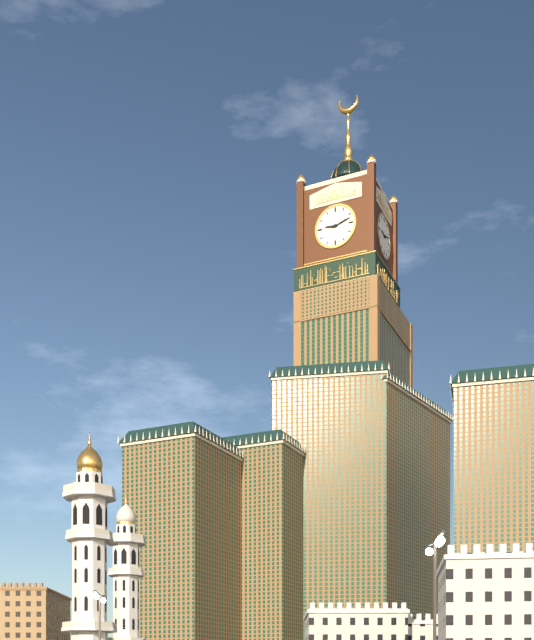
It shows {"hour": 9, "minute": 12}
